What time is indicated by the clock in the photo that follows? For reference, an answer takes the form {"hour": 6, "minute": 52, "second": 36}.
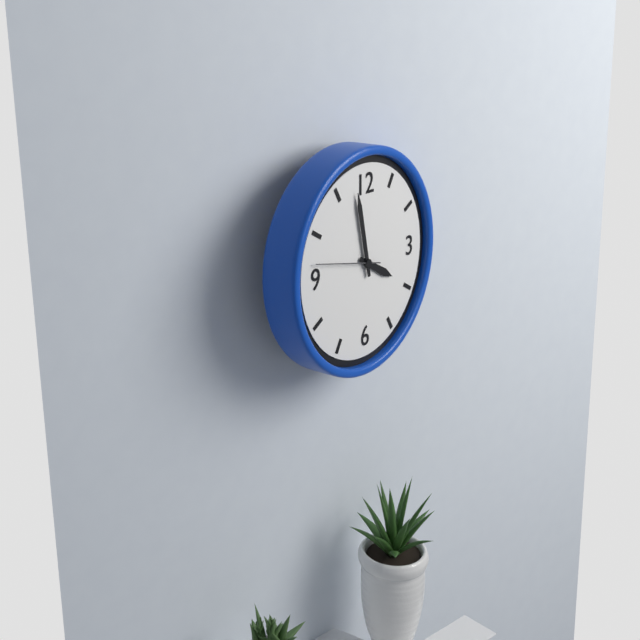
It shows {"hour": 3, "minute": 58, "second": 47}
